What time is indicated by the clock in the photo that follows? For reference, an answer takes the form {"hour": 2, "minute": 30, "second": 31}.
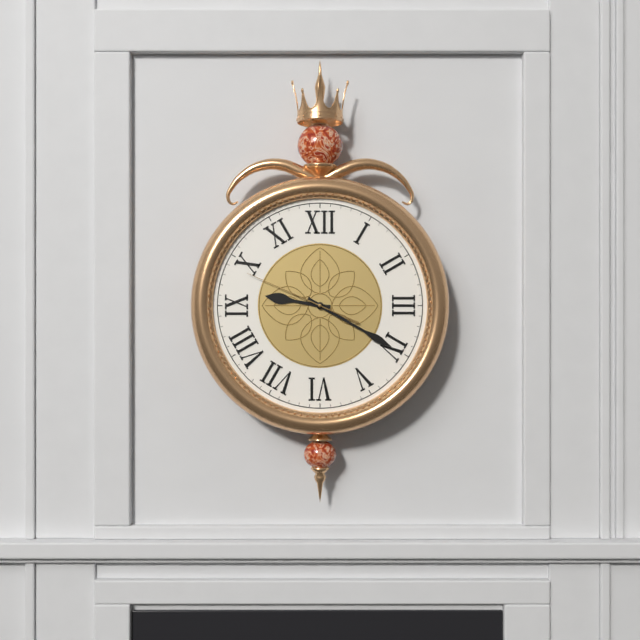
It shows {"hour": 9, "minute": 20, "second": 49}
